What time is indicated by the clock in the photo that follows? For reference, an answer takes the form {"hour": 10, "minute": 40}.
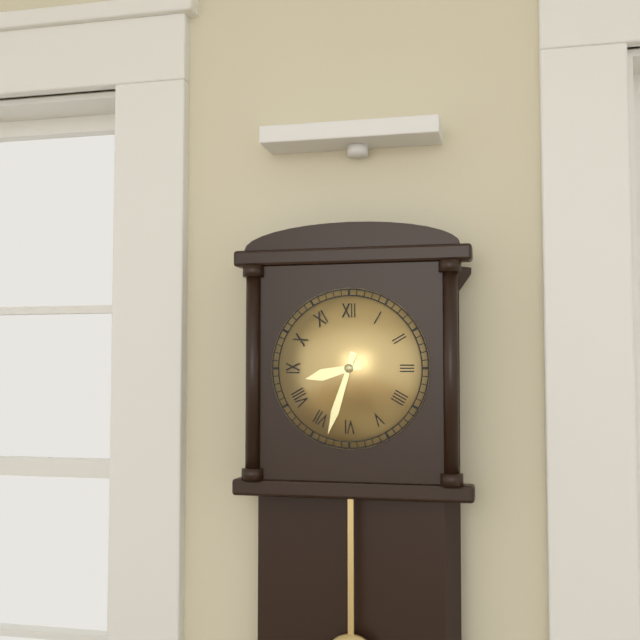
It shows {"hour": 8, "minute": 33}
